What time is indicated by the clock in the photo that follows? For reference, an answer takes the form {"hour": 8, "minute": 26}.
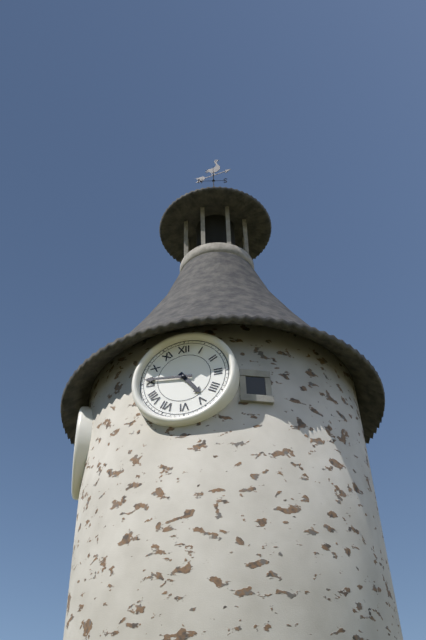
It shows {"hour": 4, "minute": 46}
